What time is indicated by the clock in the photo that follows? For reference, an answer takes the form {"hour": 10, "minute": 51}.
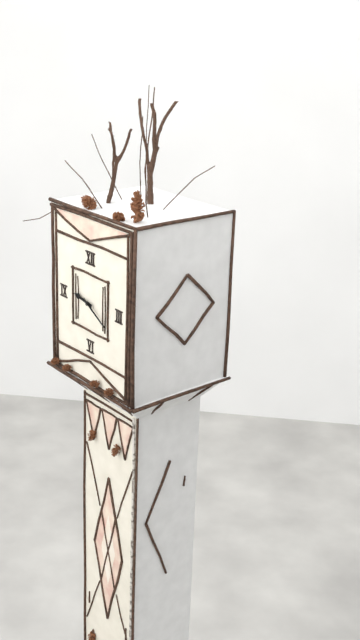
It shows {"hour": 9, "minute": 20}
